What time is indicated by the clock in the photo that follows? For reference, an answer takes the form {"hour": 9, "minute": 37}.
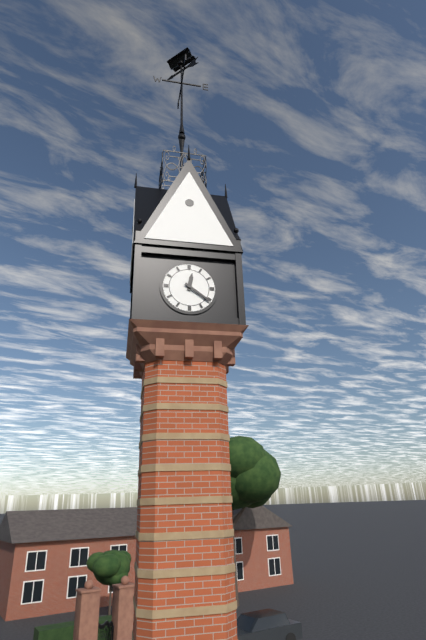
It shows {"hour": 12, "minute": 21}
